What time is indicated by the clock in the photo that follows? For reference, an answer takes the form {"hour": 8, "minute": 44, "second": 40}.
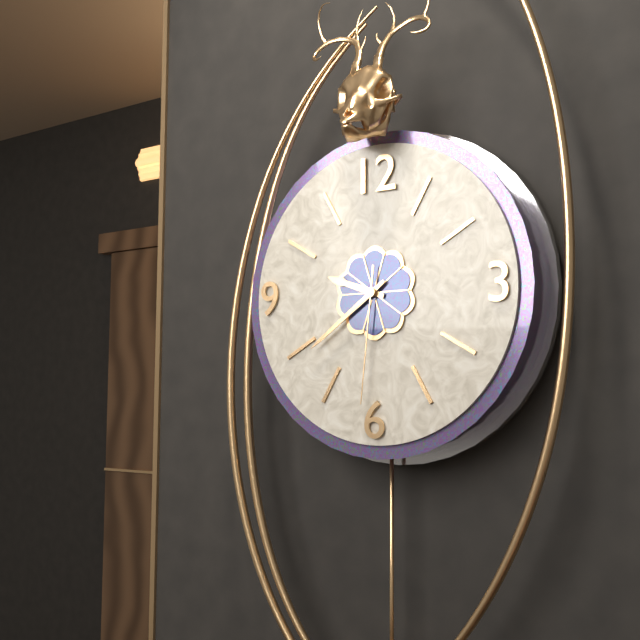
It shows {"hour": 9, "minute": 39, "second": 31}
